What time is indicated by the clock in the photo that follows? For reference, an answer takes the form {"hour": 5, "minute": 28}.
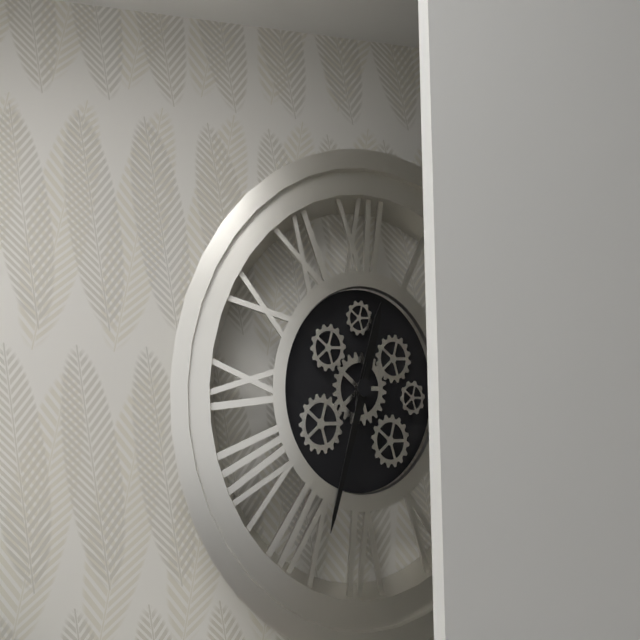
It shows {"hour": 12, "minute": 33}
